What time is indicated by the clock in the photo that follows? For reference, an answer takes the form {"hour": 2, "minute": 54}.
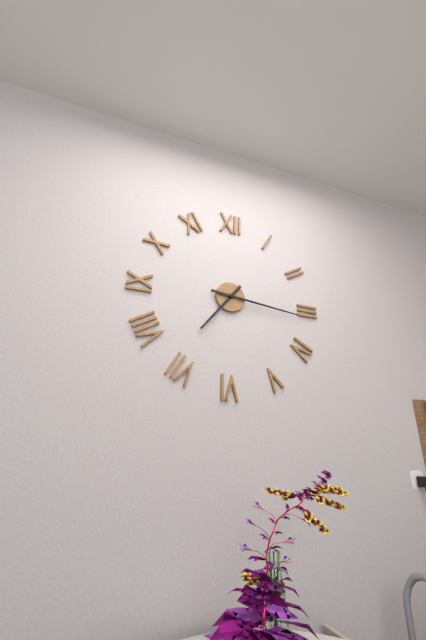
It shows {"hour": 7, "minute": 16}
